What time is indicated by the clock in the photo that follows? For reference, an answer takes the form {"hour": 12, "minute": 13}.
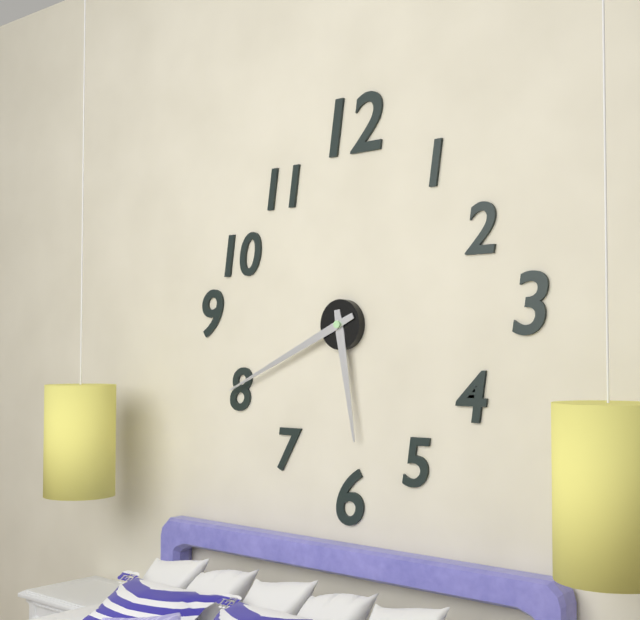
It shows {"hour": 5, "minute": 41}
